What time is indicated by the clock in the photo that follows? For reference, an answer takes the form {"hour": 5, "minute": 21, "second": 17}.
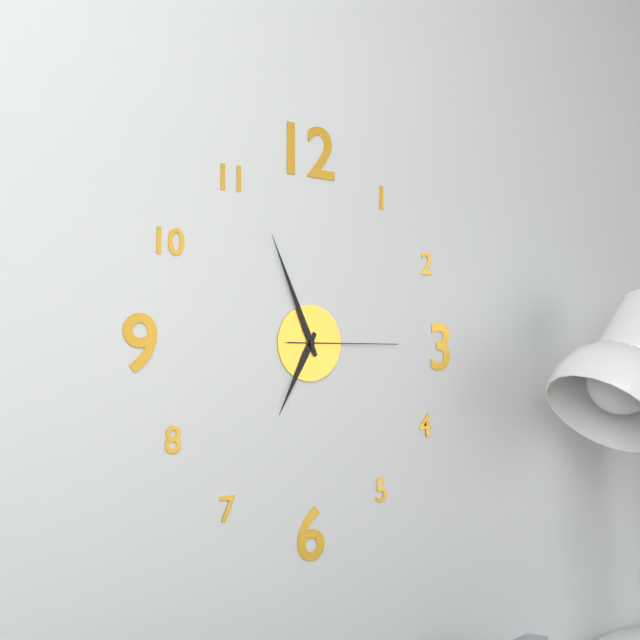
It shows {"hour": 6, "minute": 56, "second": 15}
